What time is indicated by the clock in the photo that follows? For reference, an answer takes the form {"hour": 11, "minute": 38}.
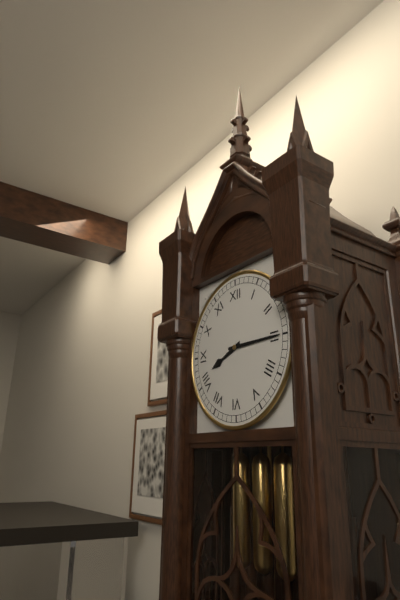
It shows {"hour": 8, "minute": 15}
